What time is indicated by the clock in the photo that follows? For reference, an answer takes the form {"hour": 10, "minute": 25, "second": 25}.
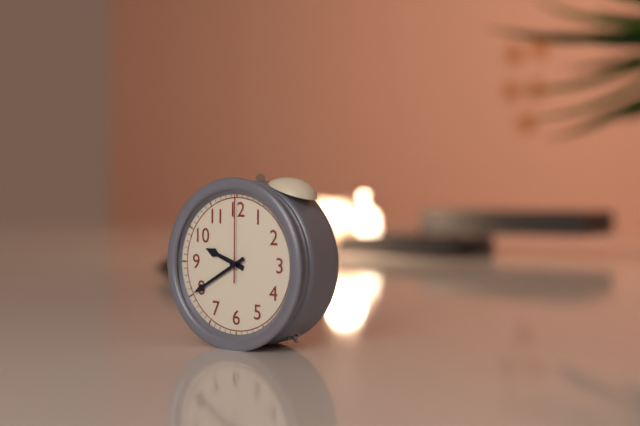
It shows {"hour": 9, "minute": 40, "second": 0}
